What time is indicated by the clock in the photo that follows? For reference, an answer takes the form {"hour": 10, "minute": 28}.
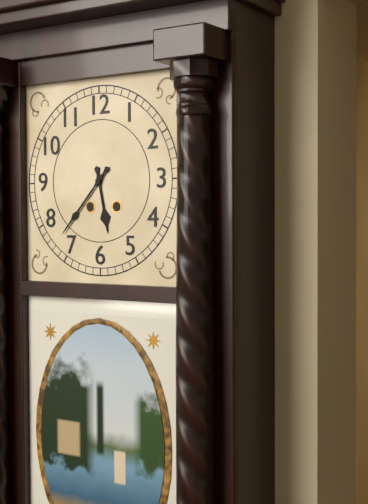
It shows {"hour": 5, "minute": 37}
